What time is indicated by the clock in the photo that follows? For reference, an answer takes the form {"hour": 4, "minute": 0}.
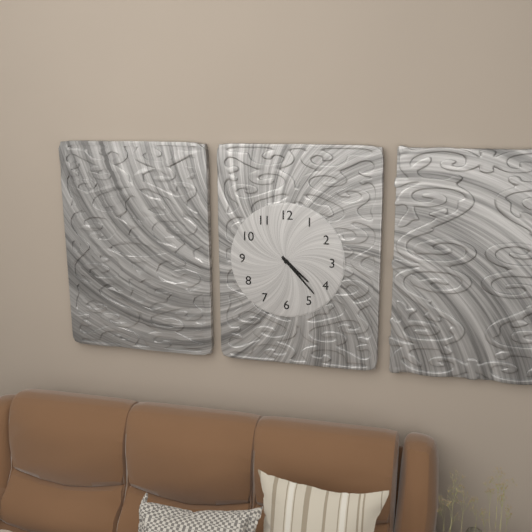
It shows {"hour": 4, "minute": 23}
